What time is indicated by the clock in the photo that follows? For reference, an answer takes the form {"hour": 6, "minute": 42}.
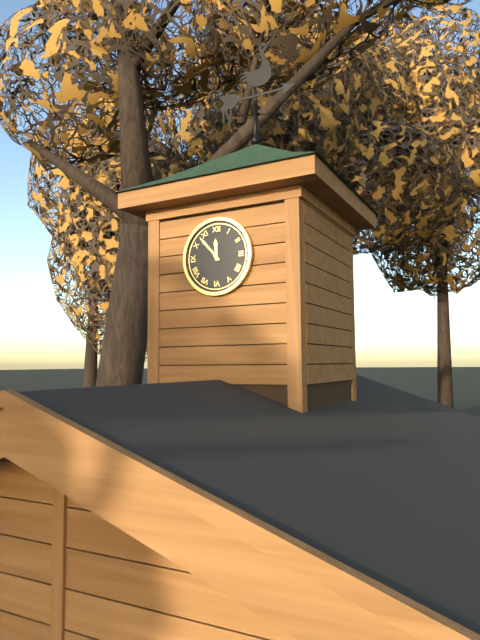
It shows {"hour": 11, "minute": 53}
